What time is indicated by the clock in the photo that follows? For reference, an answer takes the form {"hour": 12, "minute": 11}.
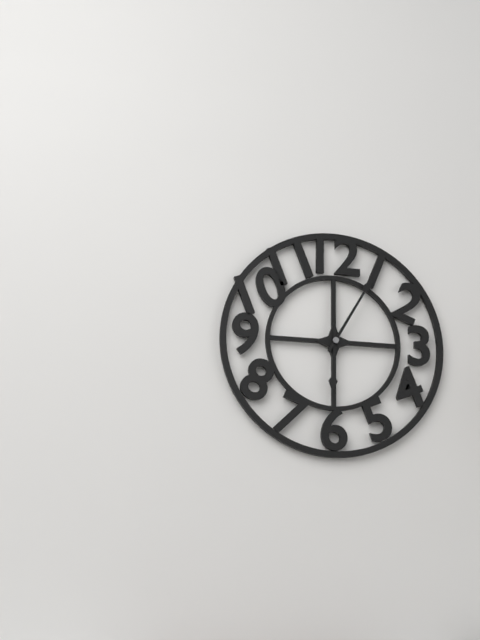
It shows {"hour": 6, "minute": 5}
